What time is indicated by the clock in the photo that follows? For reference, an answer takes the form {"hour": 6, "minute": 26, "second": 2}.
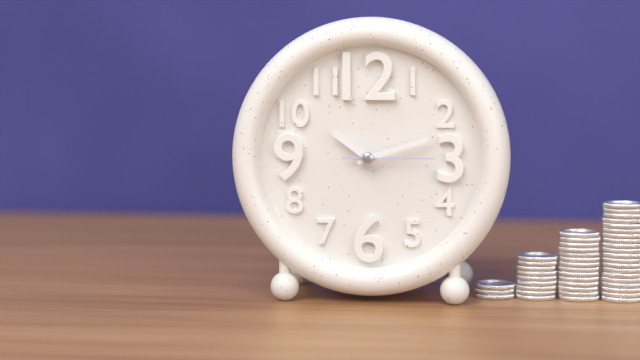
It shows {"hour": 10, "minute": 12, "second": 15}
